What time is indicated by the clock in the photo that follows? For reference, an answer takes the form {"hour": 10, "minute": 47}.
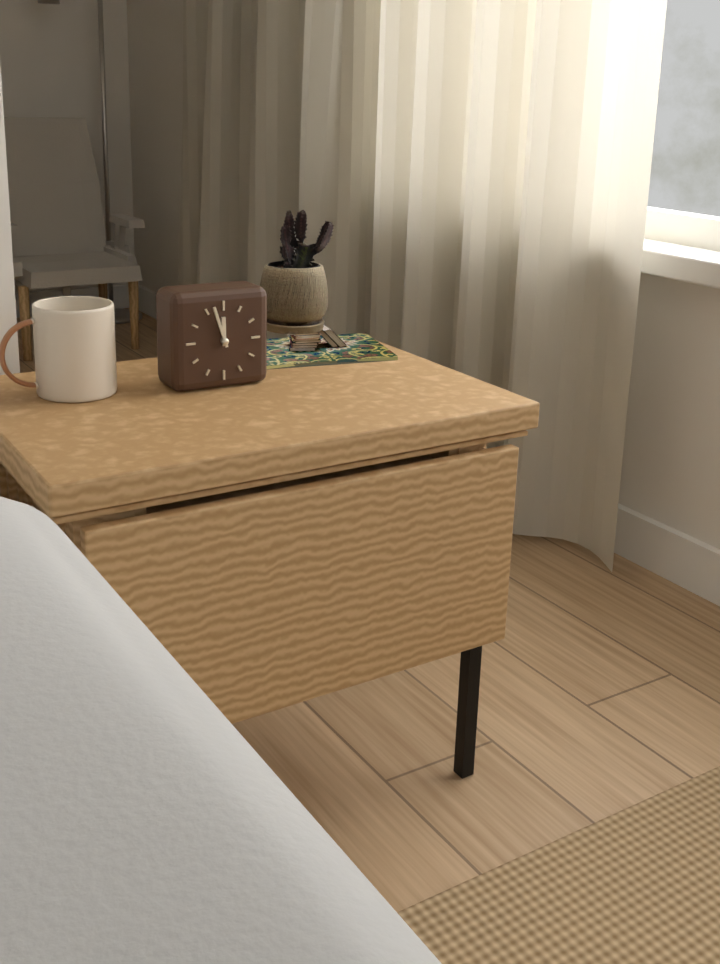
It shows {"hour": 11, "minute": 57}
